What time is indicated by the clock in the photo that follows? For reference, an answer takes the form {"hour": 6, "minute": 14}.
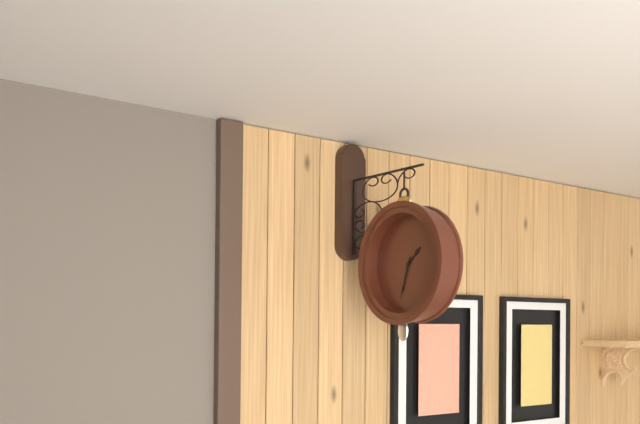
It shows {"hour": 1, "minute": 33}
